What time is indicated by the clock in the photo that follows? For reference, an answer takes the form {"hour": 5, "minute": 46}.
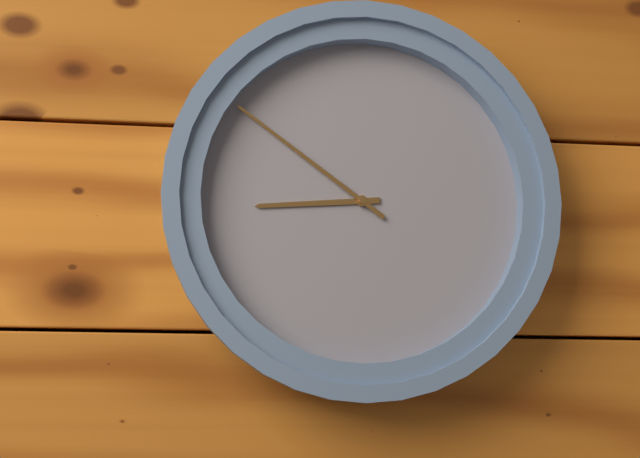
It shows {"hour": 8, "minute": 51}
